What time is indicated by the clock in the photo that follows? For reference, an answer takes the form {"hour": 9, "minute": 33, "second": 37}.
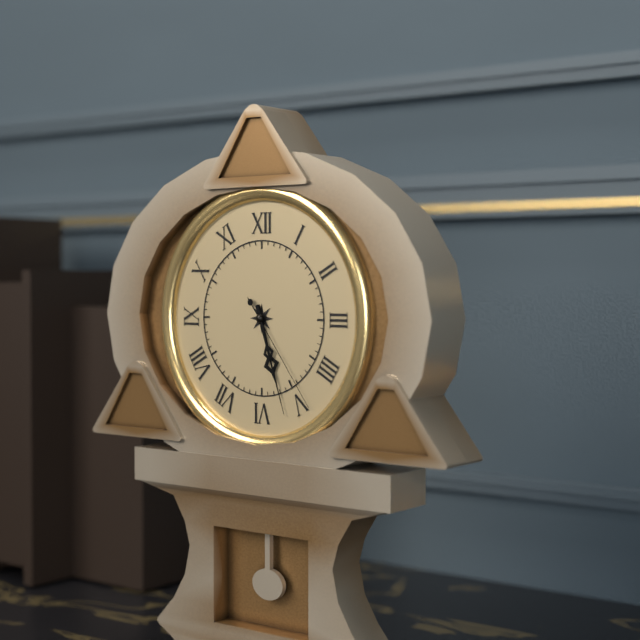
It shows {"hour": 5, "minute": 27, "second": 24}
